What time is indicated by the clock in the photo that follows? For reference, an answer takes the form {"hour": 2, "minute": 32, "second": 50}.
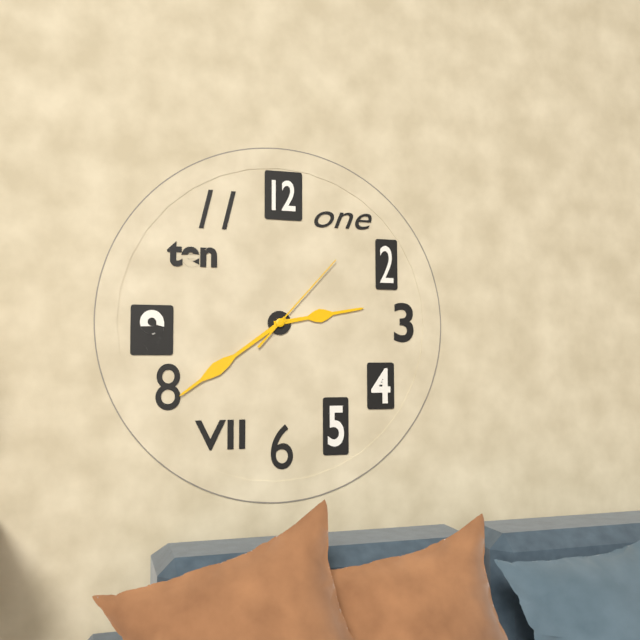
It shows {"hour": 2, "minute": 39, "second": 7}
